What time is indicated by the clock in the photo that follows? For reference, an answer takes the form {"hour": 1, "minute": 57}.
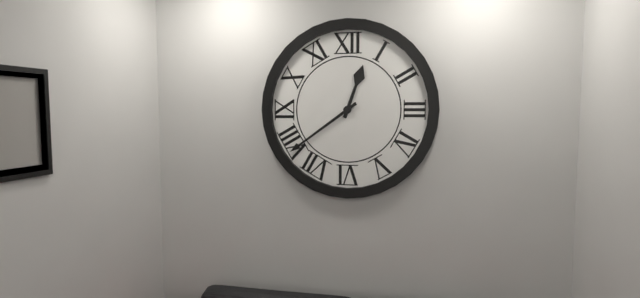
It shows {"hour": 12, "minute": 39}
